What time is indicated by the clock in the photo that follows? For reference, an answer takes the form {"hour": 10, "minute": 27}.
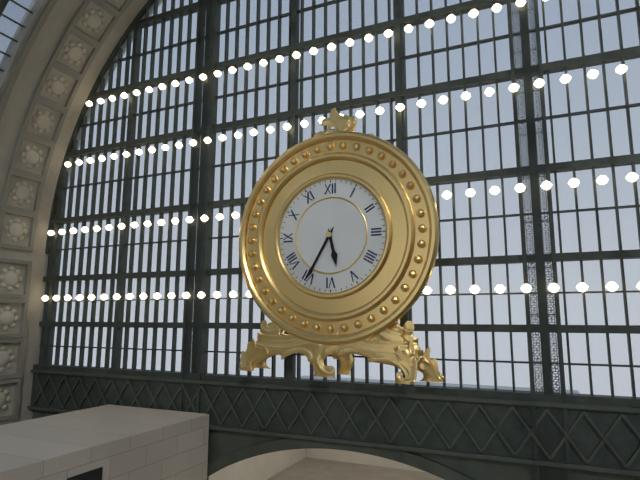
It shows {"hour": 5, "minute": 35}
